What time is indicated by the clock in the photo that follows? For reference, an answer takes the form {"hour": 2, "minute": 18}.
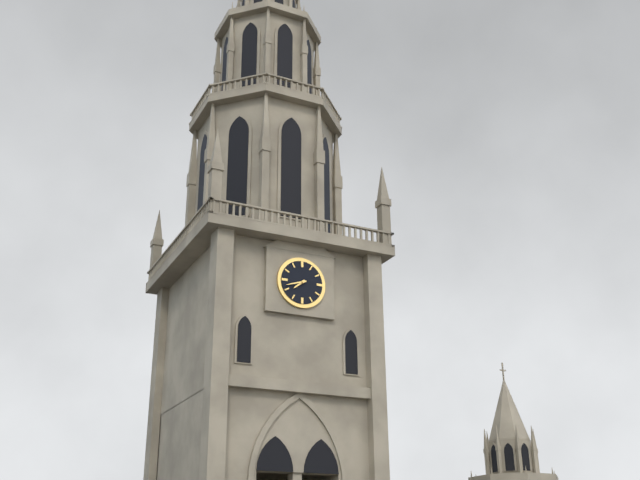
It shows {"hour": 7, "minute": 42}
